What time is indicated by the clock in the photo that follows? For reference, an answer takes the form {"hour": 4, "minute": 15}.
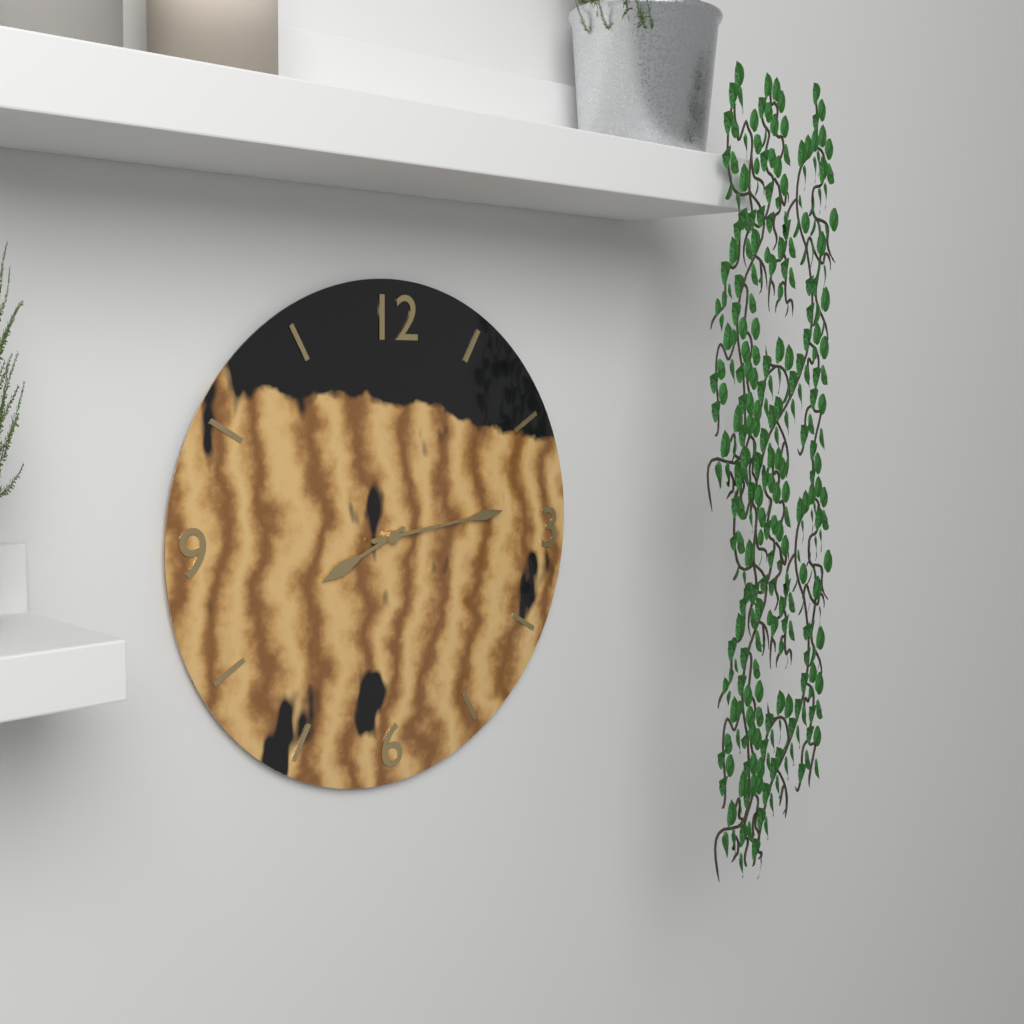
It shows {"hour": 8, "minute": 14}
